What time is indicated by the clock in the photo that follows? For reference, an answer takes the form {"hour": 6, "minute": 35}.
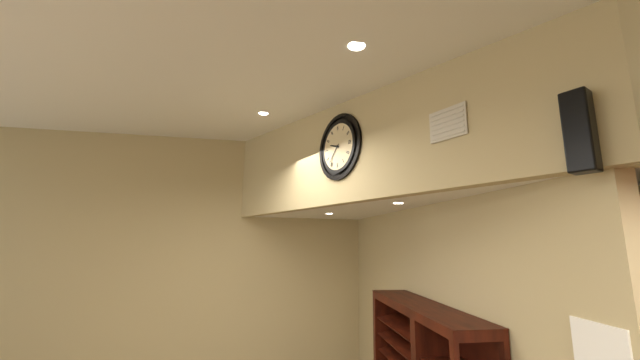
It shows {"hour": 9, "minute": 37}
